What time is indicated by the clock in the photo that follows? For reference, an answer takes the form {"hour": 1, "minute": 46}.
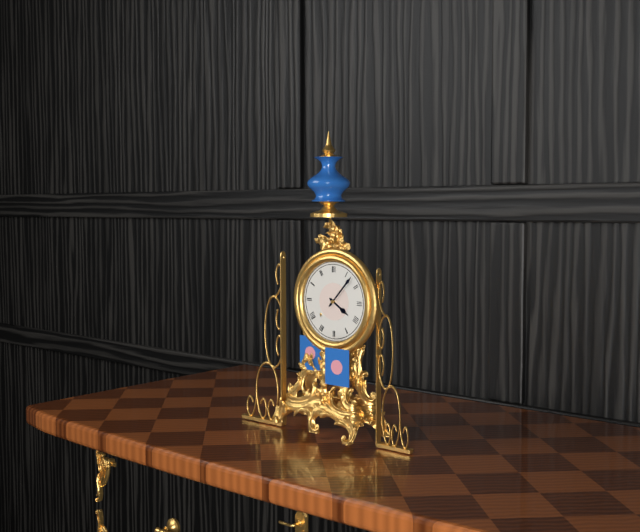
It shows {"hour": 4, "minute": 7}
